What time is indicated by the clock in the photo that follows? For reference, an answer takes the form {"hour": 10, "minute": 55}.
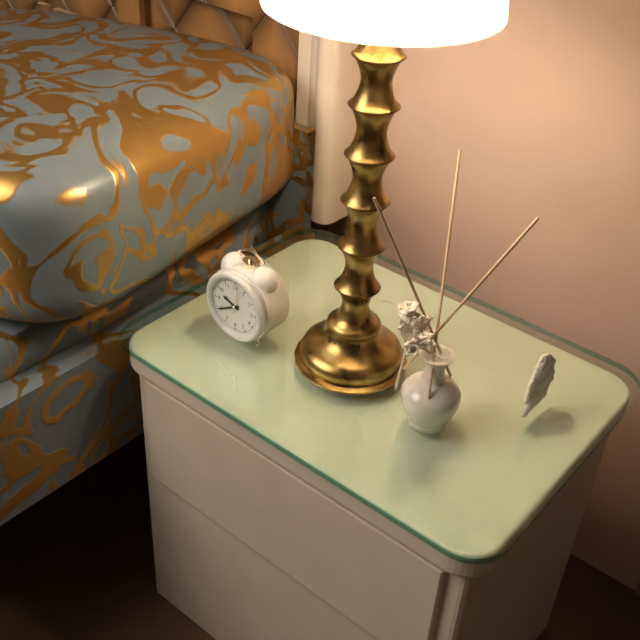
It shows {"hour": 9, "minute": 40}
